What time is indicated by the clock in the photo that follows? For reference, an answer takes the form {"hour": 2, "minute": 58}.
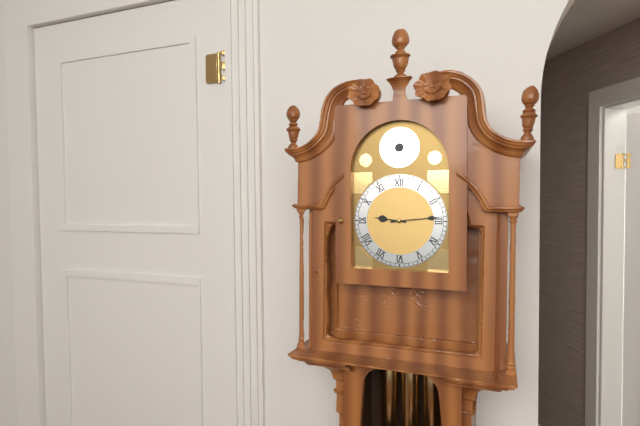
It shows {"hour": 9, "minute": 14}
